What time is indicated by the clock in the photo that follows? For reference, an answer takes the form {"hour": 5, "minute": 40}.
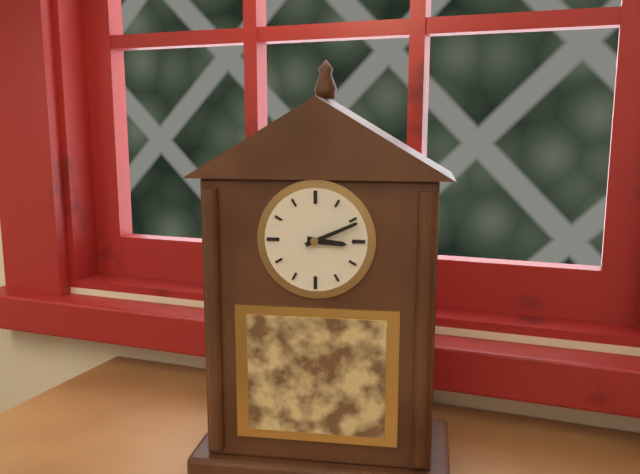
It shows {"hour": 3, "minute": 11}
